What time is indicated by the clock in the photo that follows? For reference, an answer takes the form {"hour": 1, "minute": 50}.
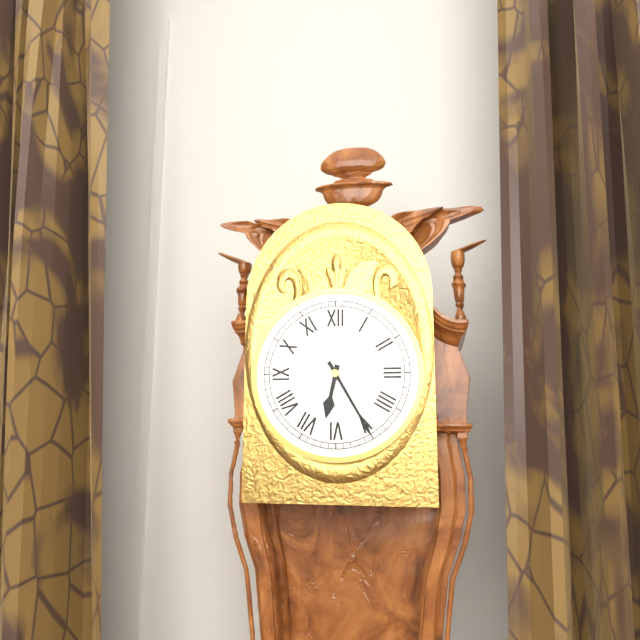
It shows {"hour": 6, "minute": 25}
